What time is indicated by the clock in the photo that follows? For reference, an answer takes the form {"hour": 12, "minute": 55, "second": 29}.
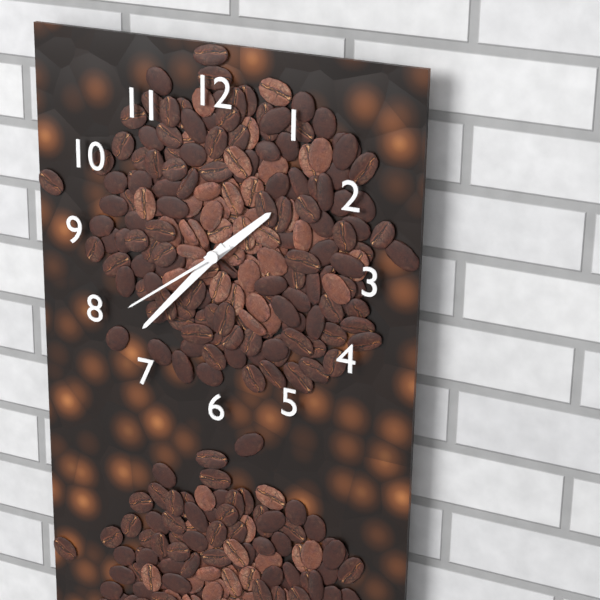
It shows {"hour": 1, "minute": 37, "second": 39}
